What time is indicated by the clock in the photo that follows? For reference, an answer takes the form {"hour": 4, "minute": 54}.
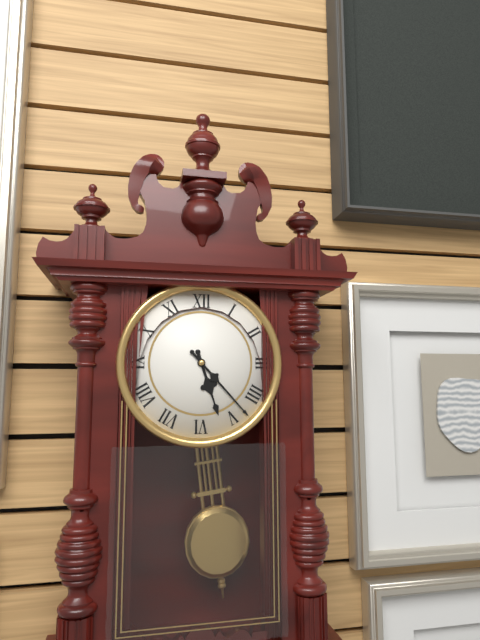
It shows {"hour": 5, "minute": 23}
